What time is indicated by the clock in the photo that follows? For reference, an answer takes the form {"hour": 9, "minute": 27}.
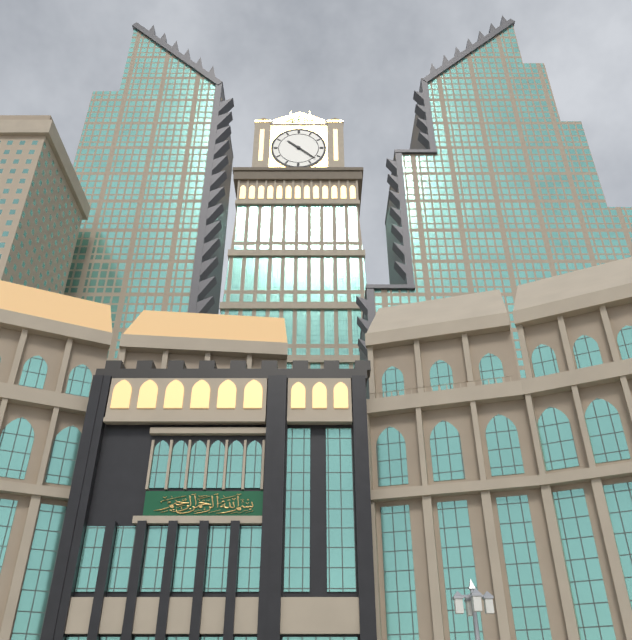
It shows {"hour": 10, "minute": 22}
